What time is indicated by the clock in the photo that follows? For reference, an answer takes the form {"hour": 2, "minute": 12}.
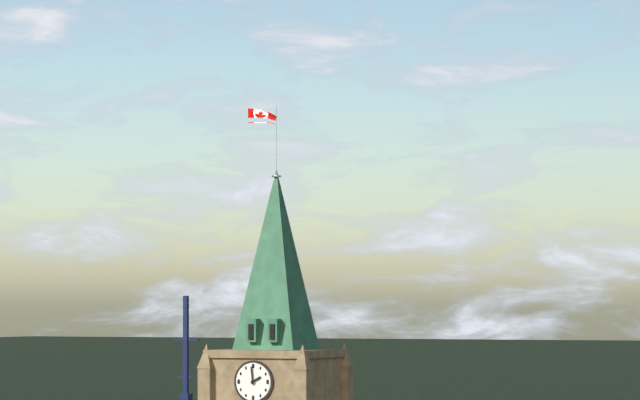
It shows {"hour": 1, "minute": 59}
